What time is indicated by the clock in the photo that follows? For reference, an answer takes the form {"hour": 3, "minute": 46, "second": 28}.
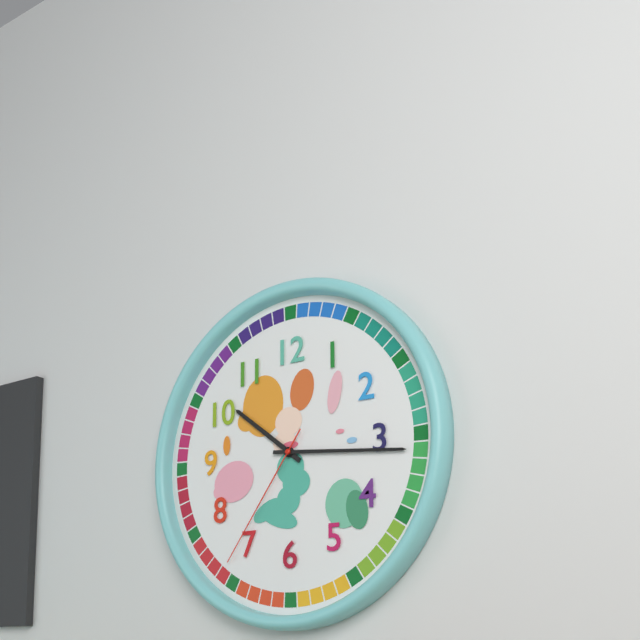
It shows {"hour": 10, "minute": 16, "second": 36}
